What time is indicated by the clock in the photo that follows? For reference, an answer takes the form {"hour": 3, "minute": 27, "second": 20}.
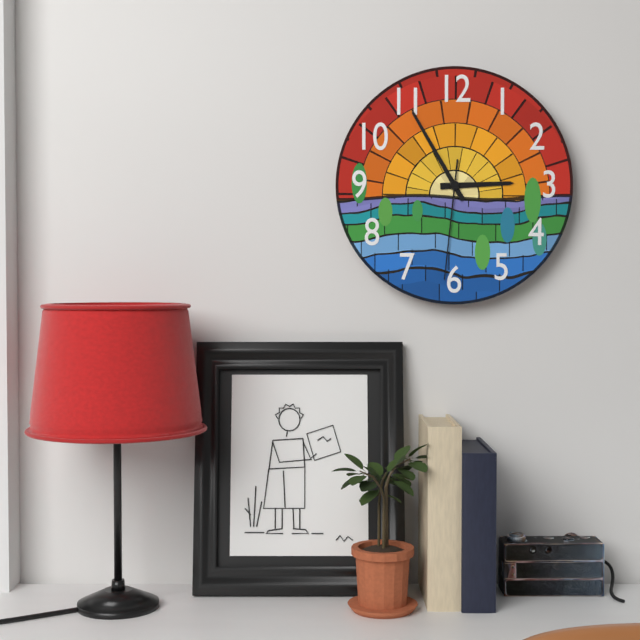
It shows {"hour": 2, "minute": 55, "second": 31}
